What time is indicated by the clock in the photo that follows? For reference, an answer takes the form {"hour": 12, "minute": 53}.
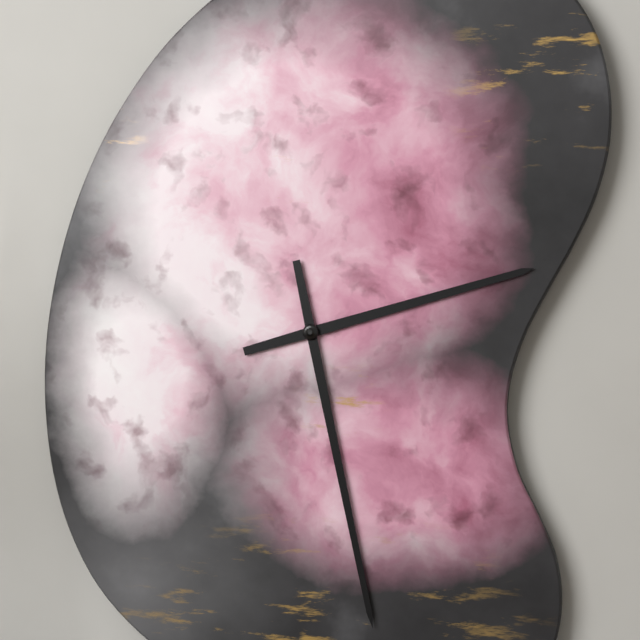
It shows {"hour": 2, "minute": 28}
